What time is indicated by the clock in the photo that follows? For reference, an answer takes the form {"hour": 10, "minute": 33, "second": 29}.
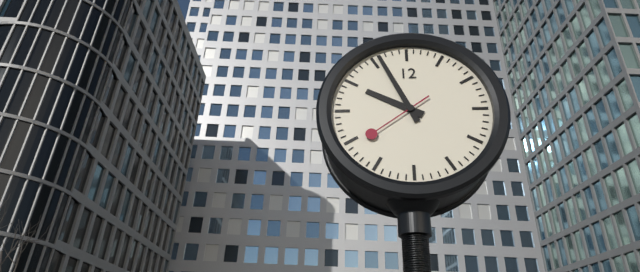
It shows {"hour": 9, "minute": 56, "second": 39}
